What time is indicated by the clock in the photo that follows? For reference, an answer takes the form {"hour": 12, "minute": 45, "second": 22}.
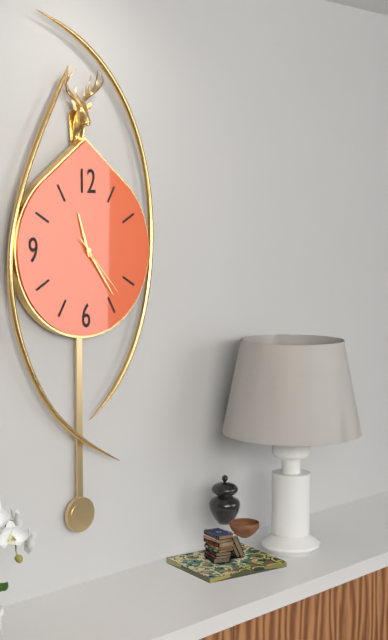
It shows {"hour": 11, "minute": 24, "second": 23}
